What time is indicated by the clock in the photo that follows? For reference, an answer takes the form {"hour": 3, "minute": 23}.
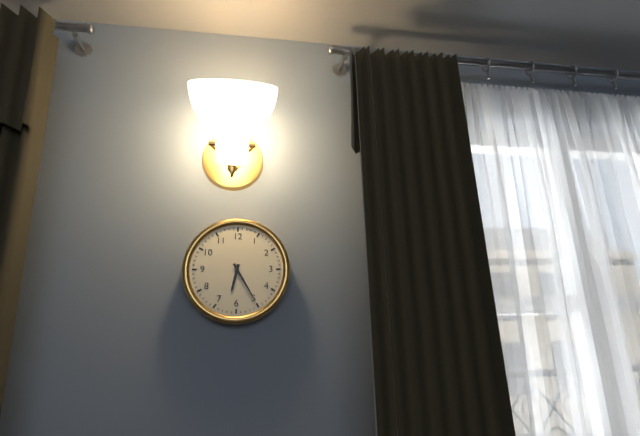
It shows {"hour": 6, "minute": 25}
